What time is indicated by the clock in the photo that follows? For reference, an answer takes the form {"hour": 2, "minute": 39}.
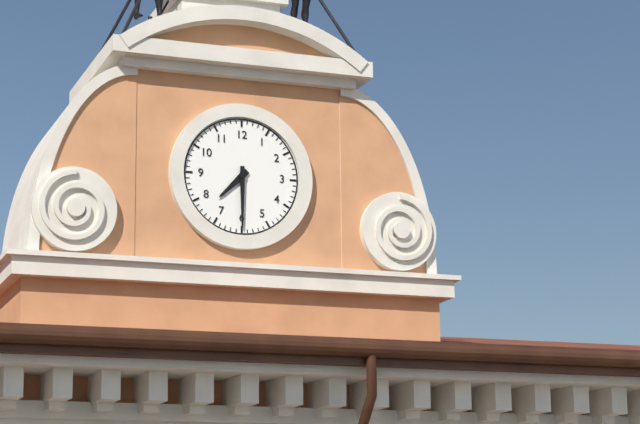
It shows {"hour": 7, "minute": 30}
